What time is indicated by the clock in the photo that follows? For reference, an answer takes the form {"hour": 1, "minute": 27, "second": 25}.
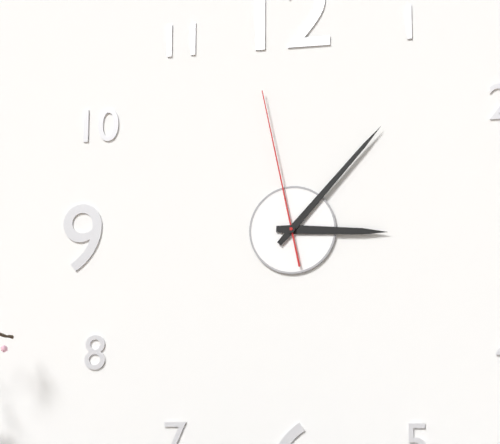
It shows {"hour": 3, "minute": 7, "second": 58}
